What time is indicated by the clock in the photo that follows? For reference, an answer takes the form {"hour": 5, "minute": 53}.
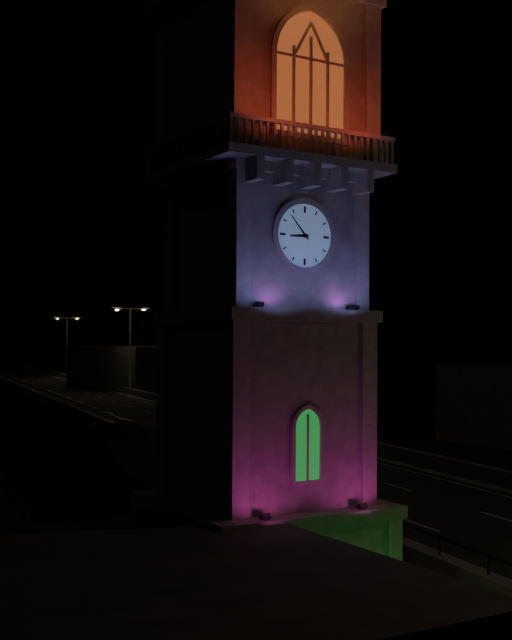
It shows {"hour": 8, "minute": 53}
